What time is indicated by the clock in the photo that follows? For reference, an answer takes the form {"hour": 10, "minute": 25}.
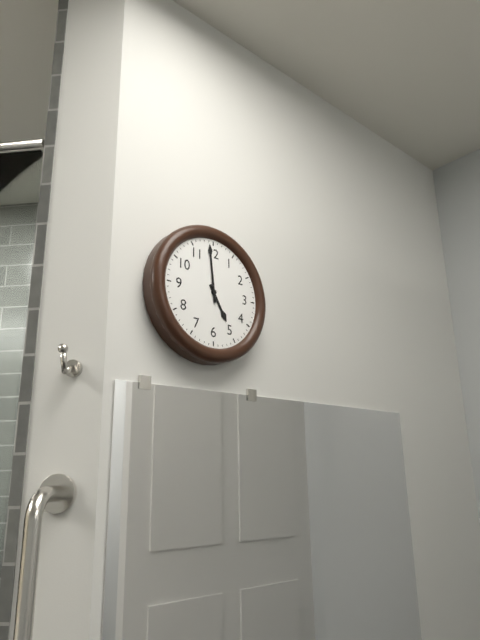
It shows {"hour": 4, "minute": 59}
